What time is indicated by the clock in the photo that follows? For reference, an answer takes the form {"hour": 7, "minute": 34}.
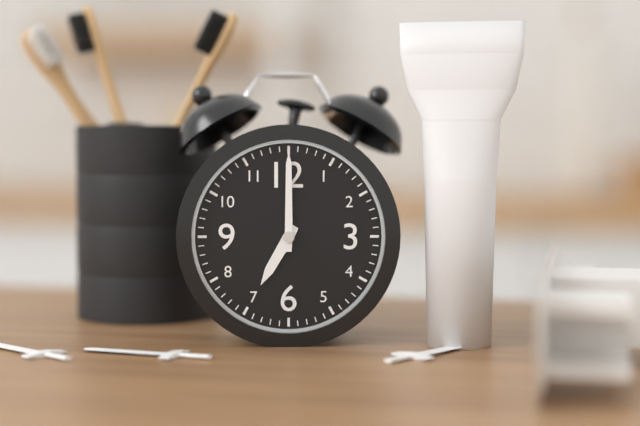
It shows {"hour": 7, "minute": 0}
